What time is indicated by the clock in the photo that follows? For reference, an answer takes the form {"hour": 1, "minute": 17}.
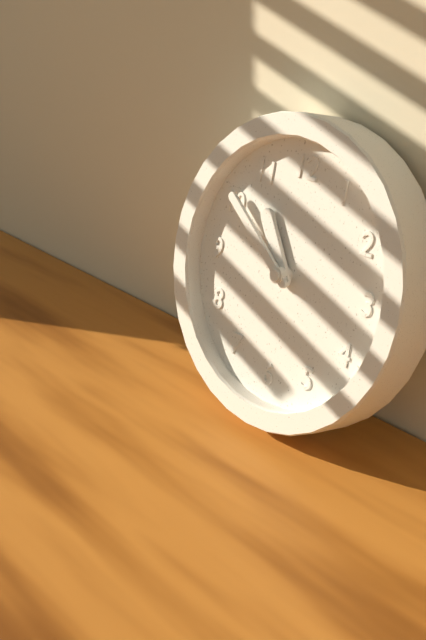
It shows {"hour": 10, "minute": 51}
